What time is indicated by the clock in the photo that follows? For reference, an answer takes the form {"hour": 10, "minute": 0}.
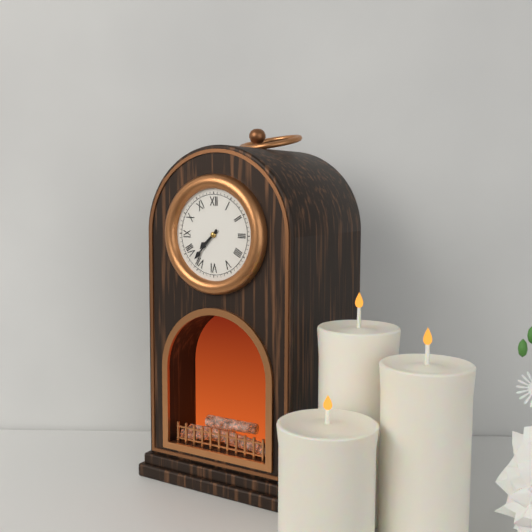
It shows {"hour": 7, "minute": 37}
